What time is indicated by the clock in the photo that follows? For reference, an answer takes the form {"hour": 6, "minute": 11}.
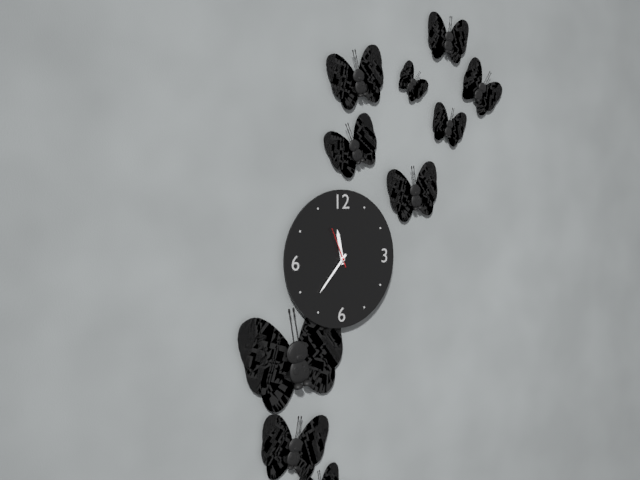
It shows {"hour": 11, "minute": 37}
